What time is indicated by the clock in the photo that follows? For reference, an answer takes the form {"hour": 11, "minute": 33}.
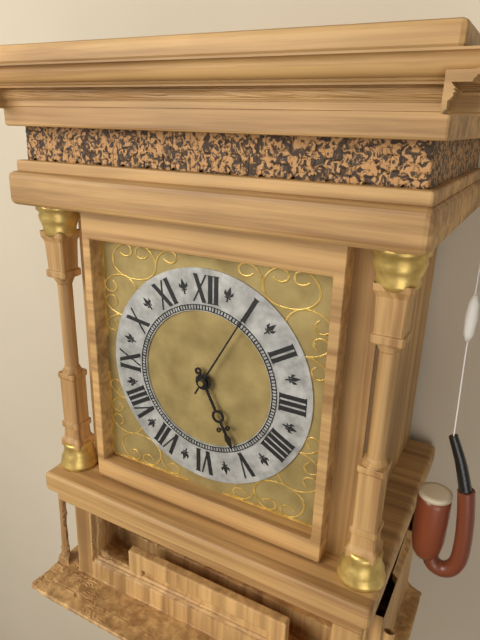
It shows {"hour": 5, "minute": 5}
